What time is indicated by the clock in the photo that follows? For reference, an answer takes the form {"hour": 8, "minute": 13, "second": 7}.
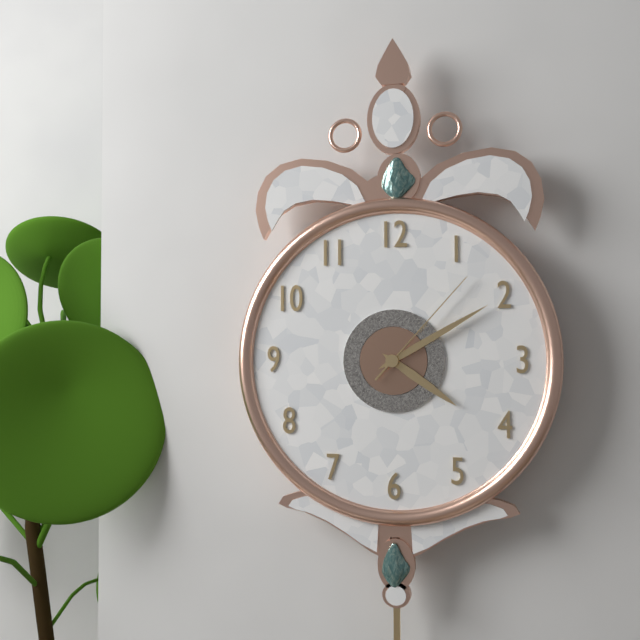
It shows {"hour": 4, "minute": 10, "second": 7}
